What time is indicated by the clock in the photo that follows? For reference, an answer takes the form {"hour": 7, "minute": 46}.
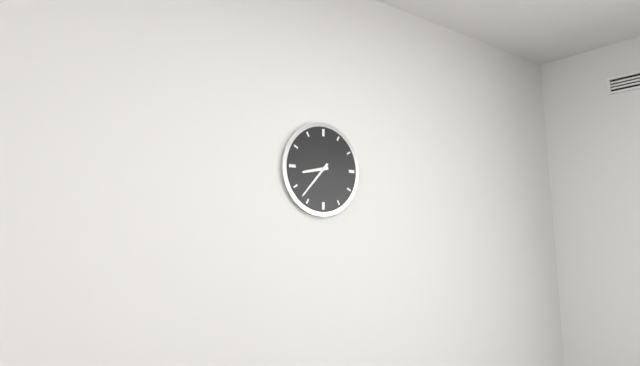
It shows {"hour": 8, "minute": 37}
